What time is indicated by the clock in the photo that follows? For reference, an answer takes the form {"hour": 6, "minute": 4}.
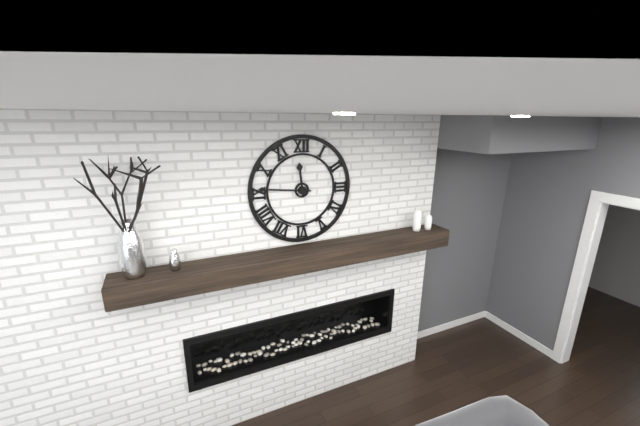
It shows {"hour": 11, "minute": 46}
